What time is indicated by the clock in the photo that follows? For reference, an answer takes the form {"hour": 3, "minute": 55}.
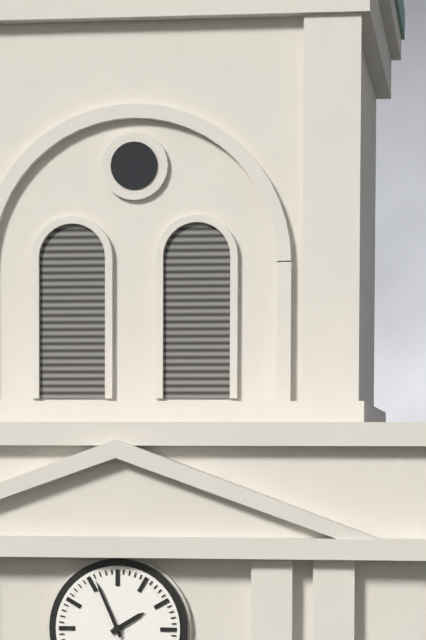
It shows {"hour": 1, "minute": 56}
